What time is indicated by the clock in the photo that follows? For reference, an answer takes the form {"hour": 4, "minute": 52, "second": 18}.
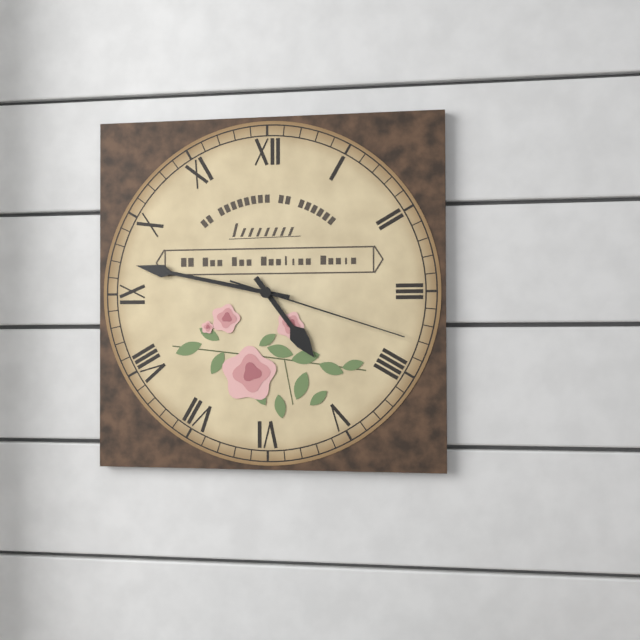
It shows {"hour": 4, "minute": 47, "second": 18}
